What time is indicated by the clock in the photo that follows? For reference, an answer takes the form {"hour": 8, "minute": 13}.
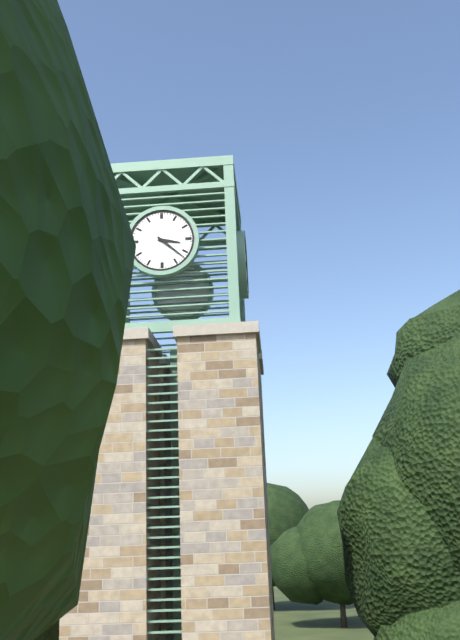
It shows {"hour": 3, "minute": 22}
